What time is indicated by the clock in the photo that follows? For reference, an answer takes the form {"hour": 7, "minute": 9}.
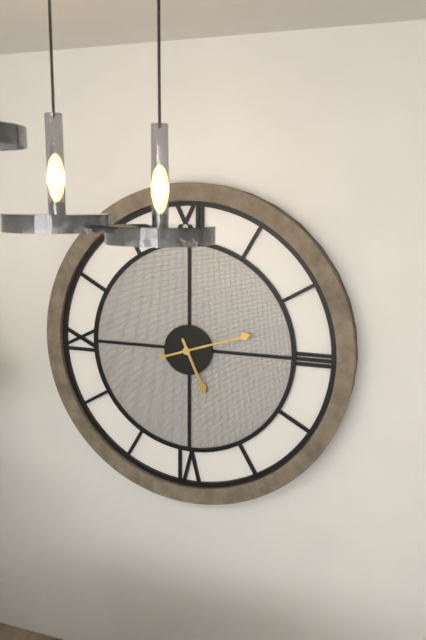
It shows {"hour": 5, "minute": 12}
